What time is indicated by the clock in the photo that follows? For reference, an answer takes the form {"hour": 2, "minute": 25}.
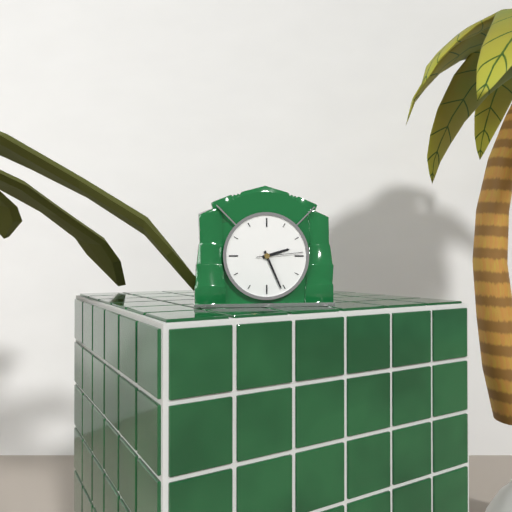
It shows {"hour": 2, "minute": 26}
